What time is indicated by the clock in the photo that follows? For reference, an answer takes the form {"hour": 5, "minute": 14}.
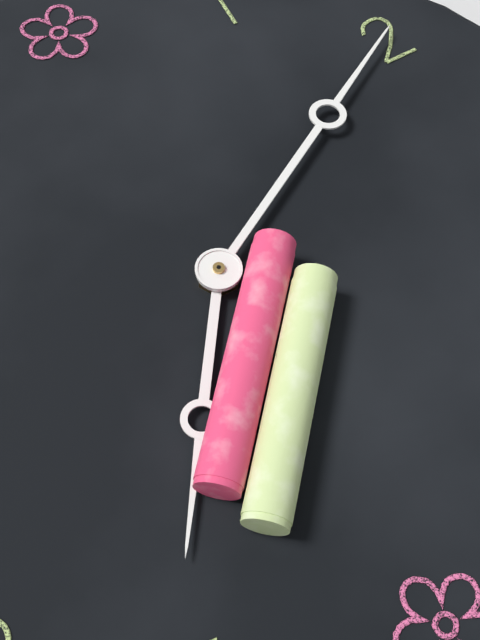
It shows {"hour": 7, "minute": 10}
